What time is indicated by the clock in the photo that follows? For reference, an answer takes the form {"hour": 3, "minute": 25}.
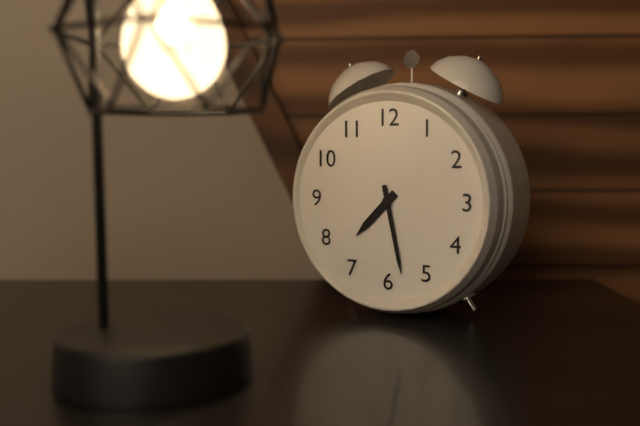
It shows {"hour": 7, "minute": 28}
